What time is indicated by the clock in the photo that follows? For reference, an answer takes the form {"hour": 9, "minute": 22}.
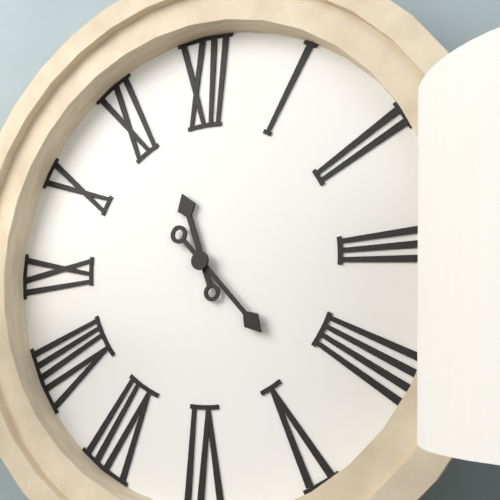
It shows {"hour": 11, "minute": 23}
